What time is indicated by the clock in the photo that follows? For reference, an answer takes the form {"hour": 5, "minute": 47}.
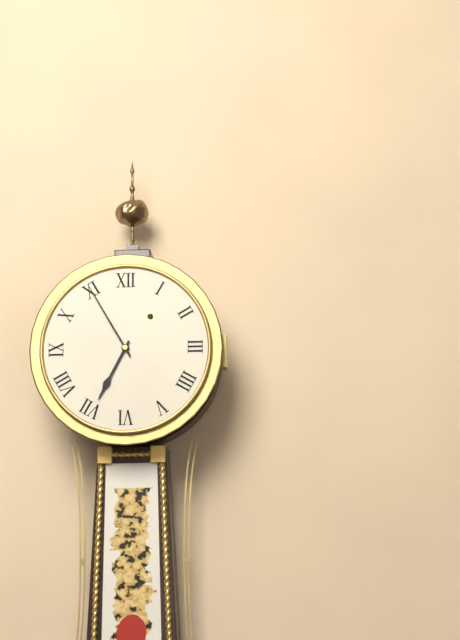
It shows {"hour": 6, "minute": 55}
